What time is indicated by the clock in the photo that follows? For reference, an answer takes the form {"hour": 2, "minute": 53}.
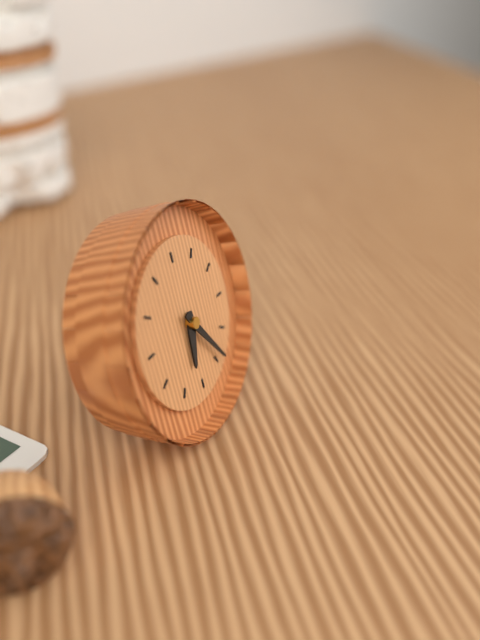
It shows {"hour": 6, "minute": 24}
